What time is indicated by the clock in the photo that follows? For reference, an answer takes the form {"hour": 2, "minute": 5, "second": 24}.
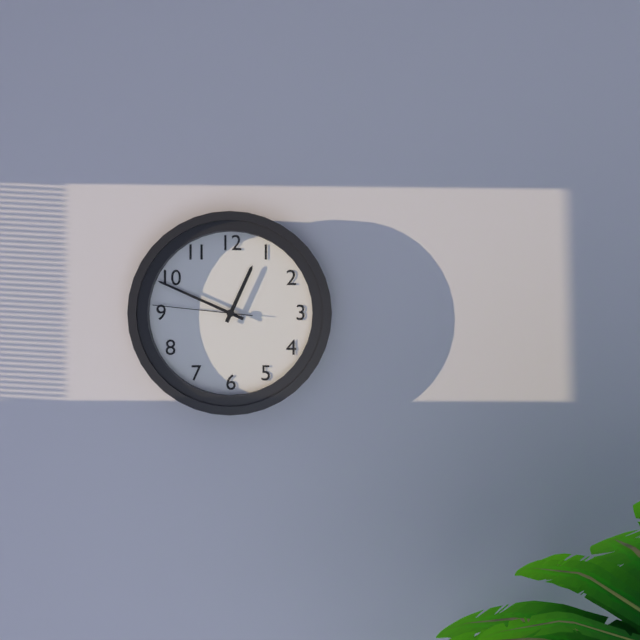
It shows {"hour": 12, "minute": 49, "second": 46}
